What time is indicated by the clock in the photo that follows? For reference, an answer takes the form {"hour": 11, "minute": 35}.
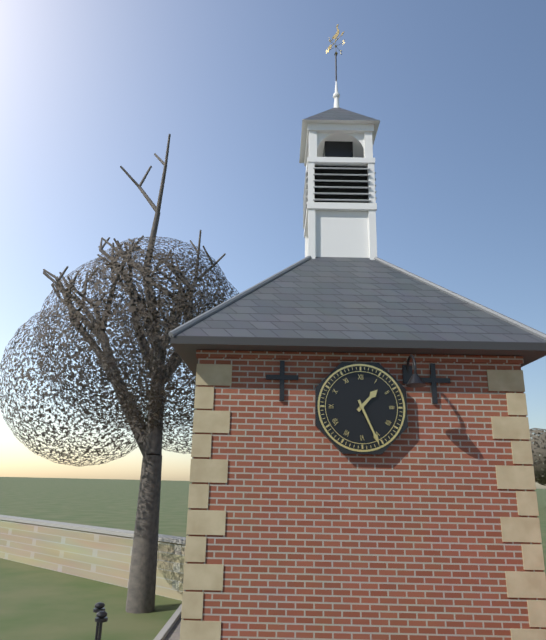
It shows {"hour": 1, "minute": 26}
